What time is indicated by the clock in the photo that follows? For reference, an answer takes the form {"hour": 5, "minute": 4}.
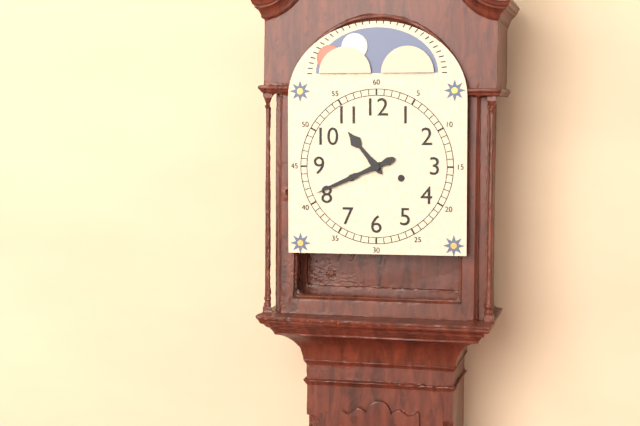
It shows {"hour": 10, "minute": 41}
